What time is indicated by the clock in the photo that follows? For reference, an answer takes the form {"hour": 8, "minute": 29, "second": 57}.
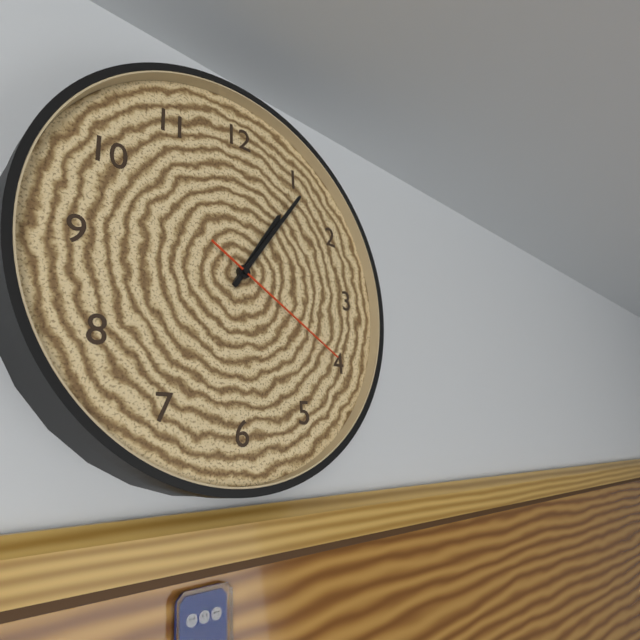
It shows {"hour": 1, "minute": 6, "second": 20}
